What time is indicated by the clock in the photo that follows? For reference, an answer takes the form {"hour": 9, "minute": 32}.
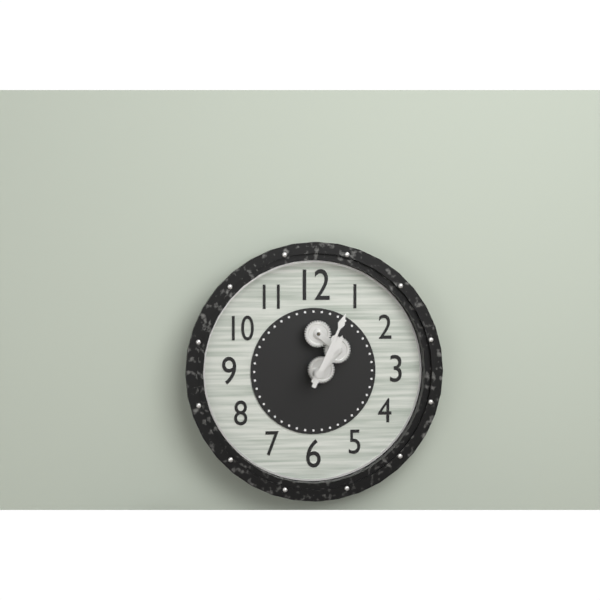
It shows {"hour": 1, "minute": 4}
